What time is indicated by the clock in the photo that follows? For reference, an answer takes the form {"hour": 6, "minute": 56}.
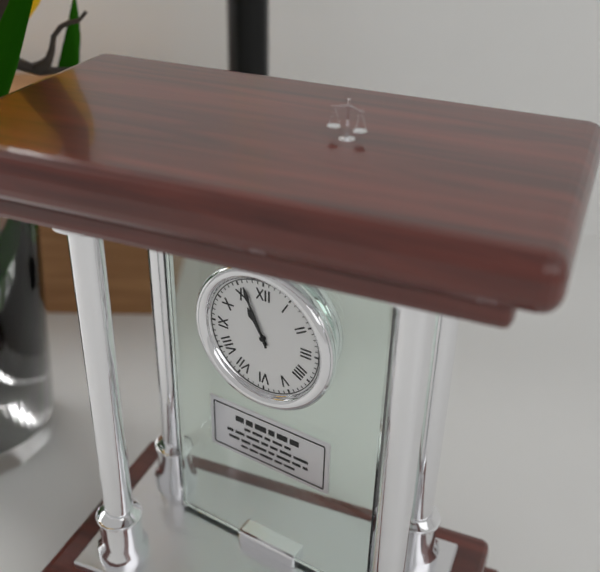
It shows {"hour": 10, "minute": 56}
